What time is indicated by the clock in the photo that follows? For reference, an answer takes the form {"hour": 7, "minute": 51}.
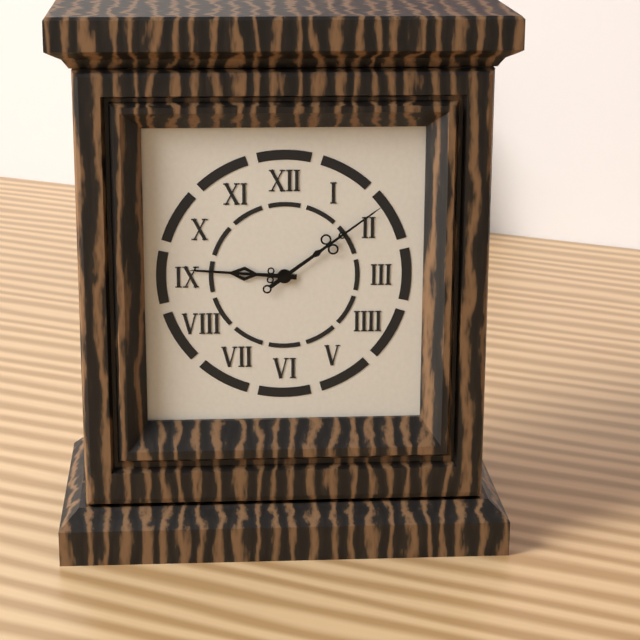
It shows {"hour": 9, "minute": 9}
